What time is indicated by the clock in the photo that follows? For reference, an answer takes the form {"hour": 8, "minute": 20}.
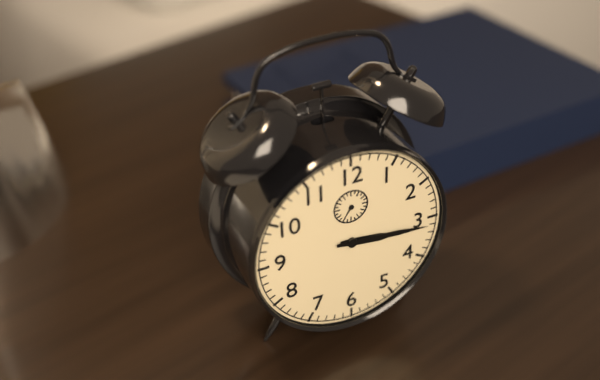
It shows {"hour": 3, "minute": 16}
